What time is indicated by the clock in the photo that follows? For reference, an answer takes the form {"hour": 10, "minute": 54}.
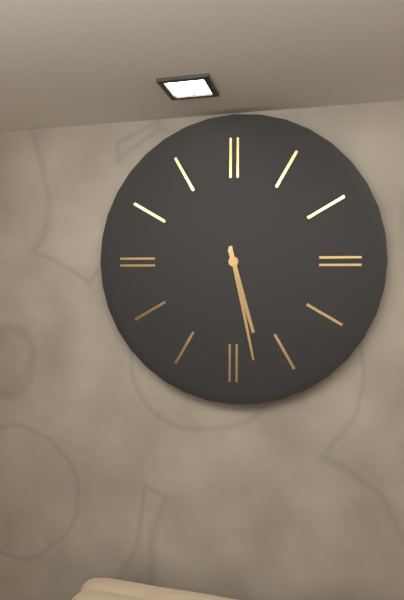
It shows {"hour": 5, "minute": 28}
